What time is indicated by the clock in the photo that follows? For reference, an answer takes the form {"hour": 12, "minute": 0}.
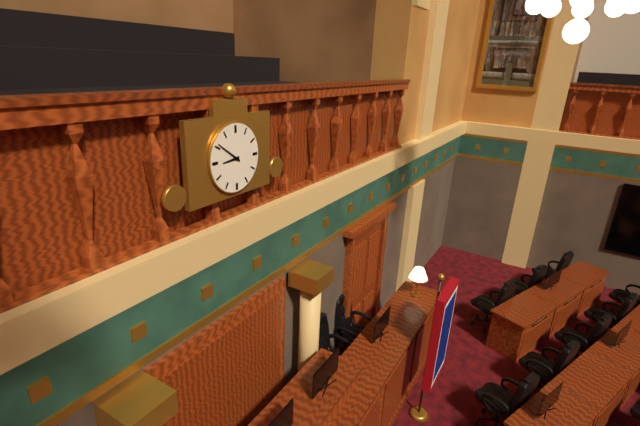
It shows {"hour": 8, "minute": 51}
